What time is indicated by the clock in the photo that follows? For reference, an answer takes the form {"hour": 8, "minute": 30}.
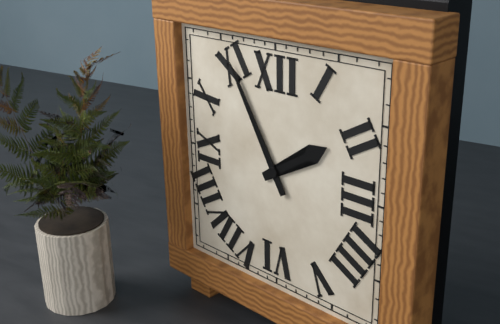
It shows {"hour": 1, "minute": 55}
